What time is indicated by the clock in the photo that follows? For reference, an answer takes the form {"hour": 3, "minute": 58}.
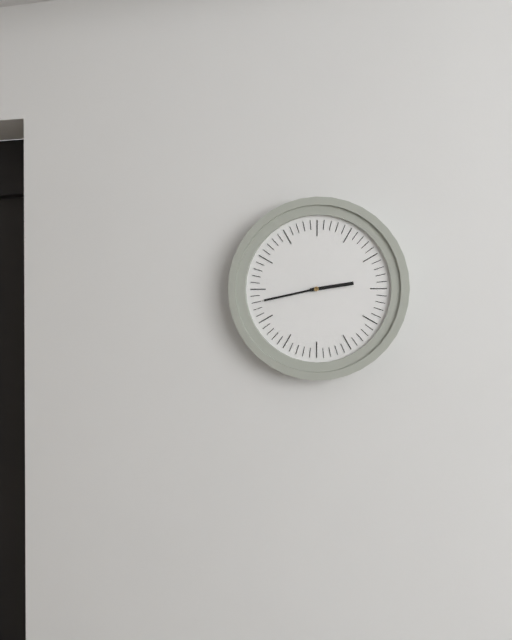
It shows {"hour": 2, "minute": 43}
